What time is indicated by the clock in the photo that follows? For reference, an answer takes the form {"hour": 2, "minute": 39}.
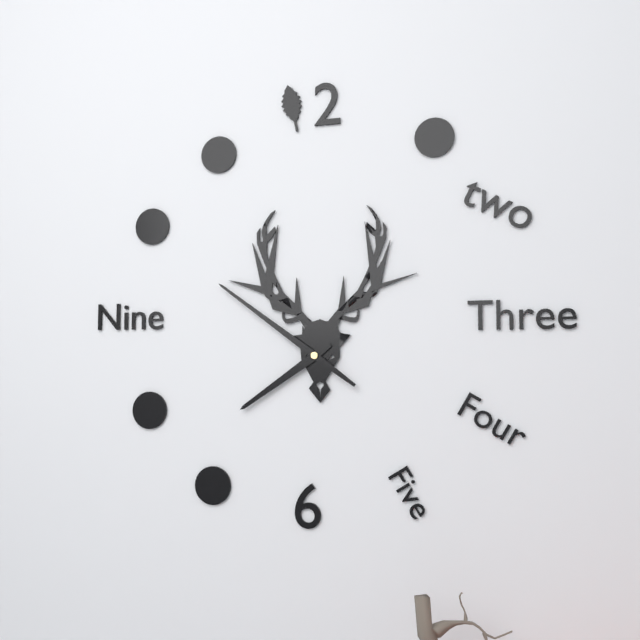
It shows {"hour": 7, "minute": 51}
